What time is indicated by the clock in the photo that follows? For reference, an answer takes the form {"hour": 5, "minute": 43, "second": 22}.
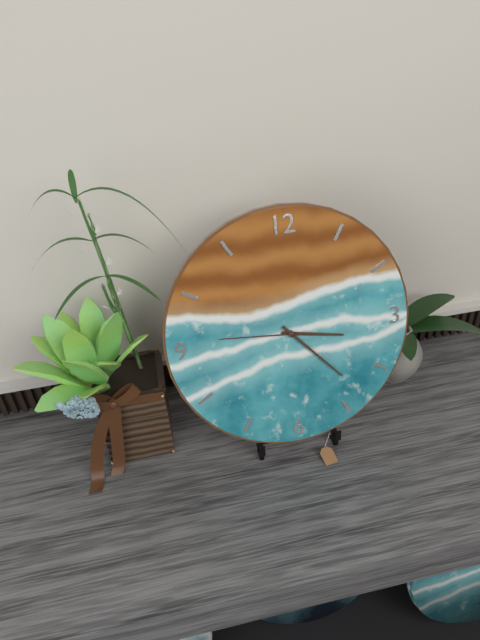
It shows {"hour": 3, "minute": 23, "second": 46}
